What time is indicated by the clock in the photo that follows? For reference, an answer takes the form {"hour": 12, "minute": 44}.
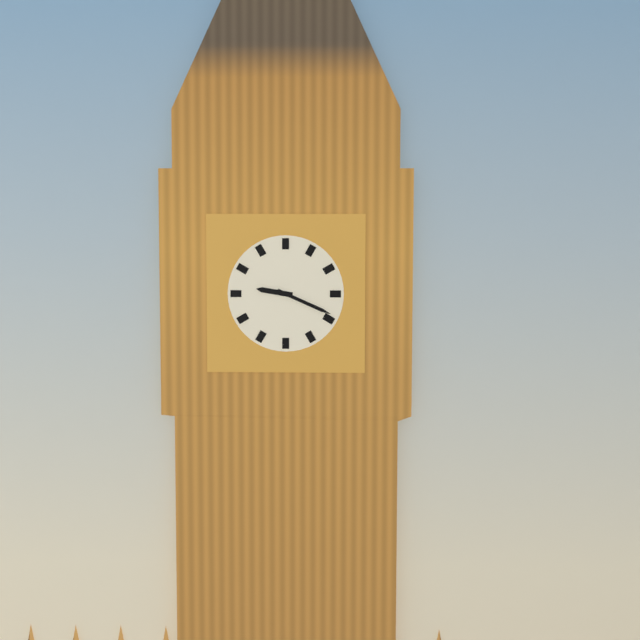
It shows {"hour": 9, "minute": 19}
